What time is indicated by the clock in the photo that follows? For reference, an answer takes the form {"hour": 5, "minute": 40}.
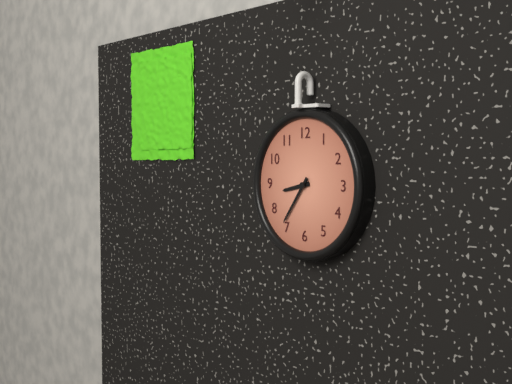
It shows {"hour": 8, "minute": 36}
